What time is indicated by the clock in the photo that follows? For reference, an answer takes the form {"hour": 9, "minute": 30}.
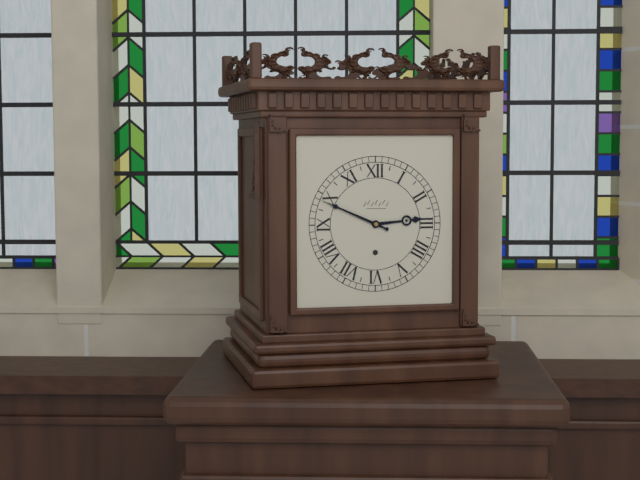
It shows {"hour": 2, "minute": 49}
